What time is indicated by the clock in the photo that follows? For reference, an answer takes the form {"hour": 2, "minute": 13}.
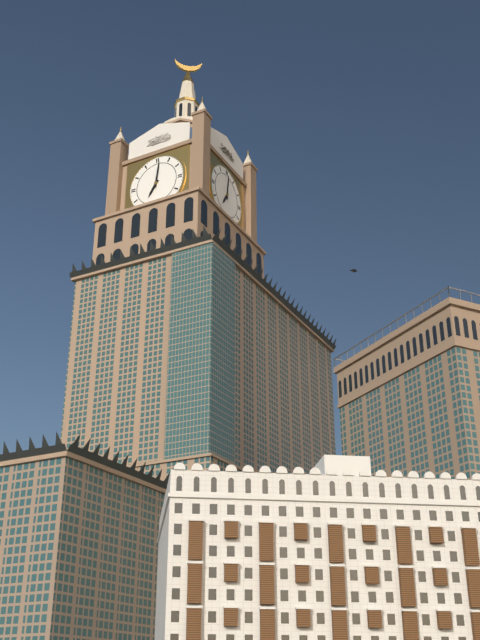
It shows {"hour": 7, "minute": 1}
